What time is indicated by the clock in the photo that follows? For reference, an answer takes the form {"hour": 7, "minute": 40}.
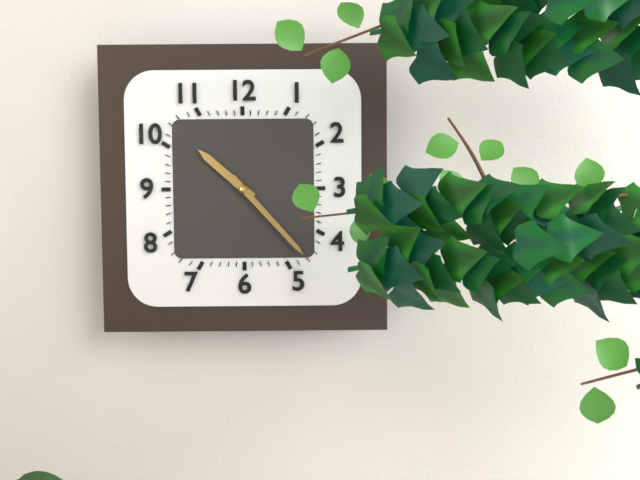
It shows {"hour": 10, "minute": 23}
